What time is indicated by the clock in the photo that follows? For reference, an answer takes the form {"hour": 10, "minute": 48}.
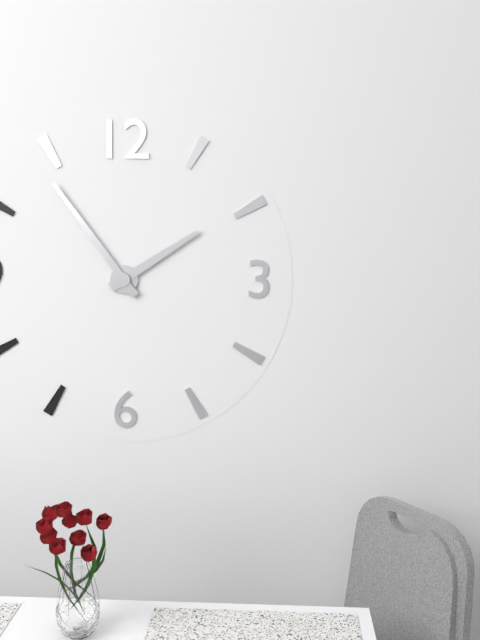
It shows {"hour": 1, "minute": 54}
